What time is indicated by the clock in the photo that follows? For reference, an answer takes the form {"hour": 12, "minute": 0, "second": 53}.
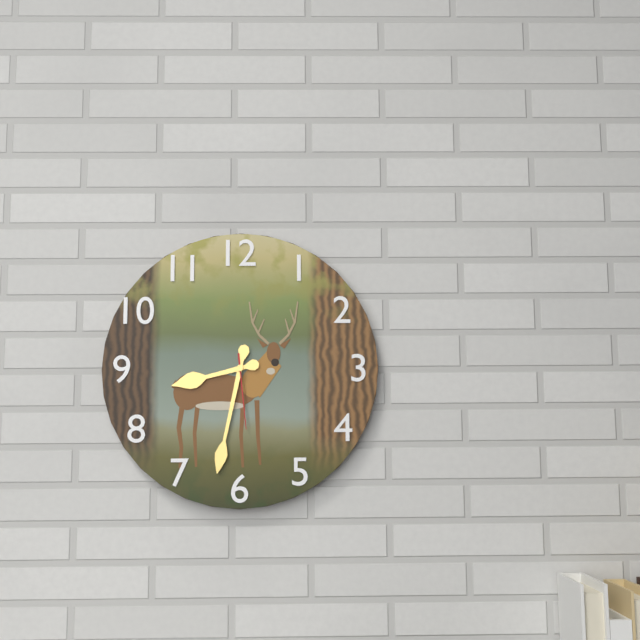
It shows {"hour": 8, "minute": 32, "second": 29}
